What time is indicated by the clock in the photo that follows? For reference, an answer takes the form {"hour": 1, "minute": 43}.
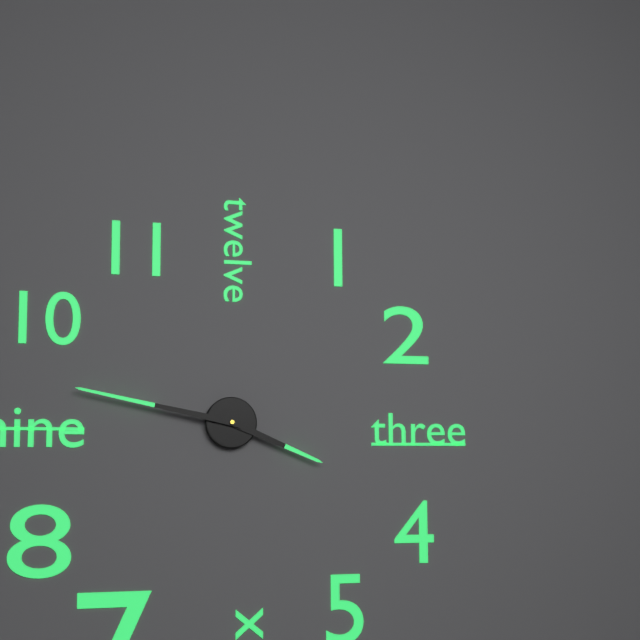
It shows {"hour": 3, "minute": 47}
